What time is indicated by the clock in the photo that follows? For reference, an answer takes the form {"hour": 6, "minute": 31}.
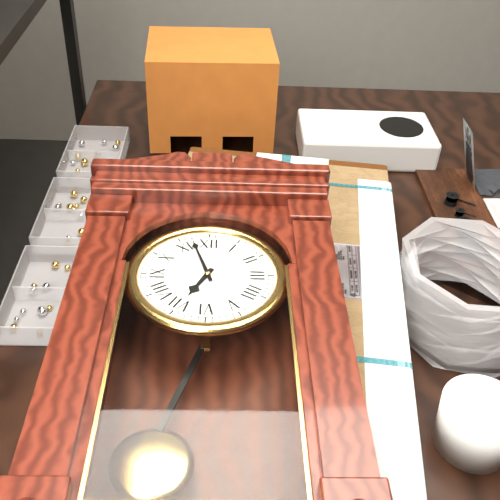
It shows {"hour": 6, "minute": 57}
